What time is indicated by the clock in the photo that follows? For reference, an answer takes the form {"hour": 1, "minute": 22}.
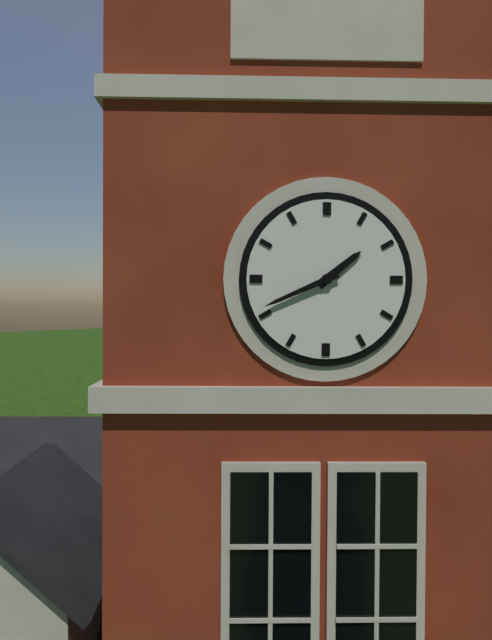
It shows {"hour": 1, "minute": 41}
